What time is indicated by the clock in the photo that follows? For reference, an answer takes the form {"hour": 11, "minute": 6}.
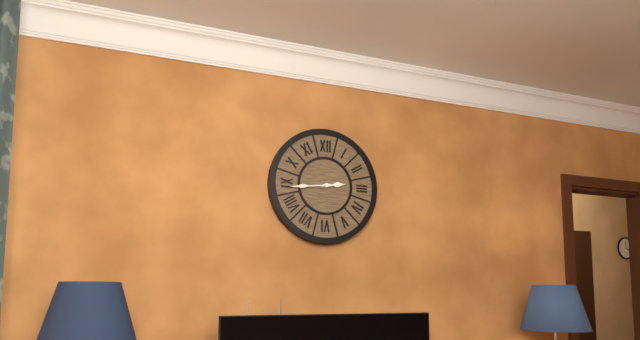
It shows {"hour": 2, "minute": 44}
